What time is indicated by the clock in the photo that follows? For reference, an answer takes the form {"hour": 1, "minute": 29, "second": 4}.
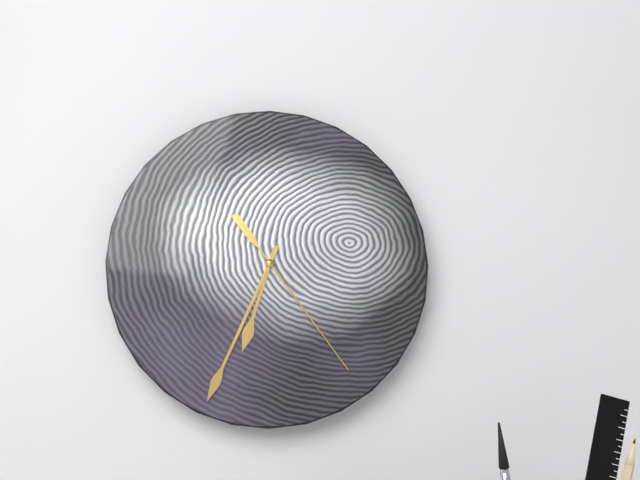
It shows {"hour": 6, "minute": 34, "second": 24}
